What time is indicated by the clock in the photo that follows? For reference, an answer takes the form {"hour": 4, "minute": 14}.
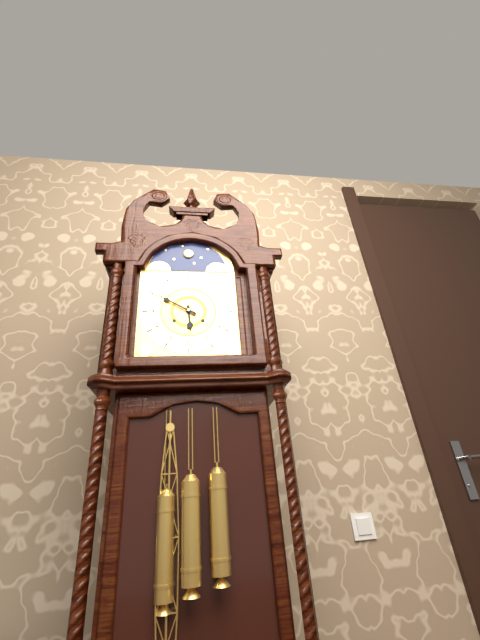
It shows {"hour": 5, "minute": 50}
